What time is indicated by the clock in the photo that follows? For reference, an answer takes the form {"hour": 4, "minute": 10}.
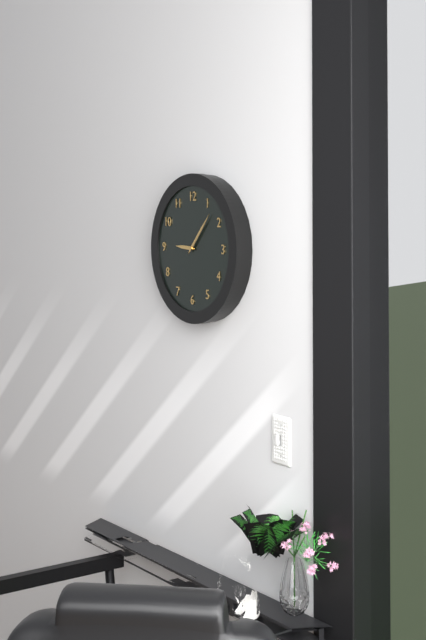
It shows {"hour": 9, "minute": 7}
